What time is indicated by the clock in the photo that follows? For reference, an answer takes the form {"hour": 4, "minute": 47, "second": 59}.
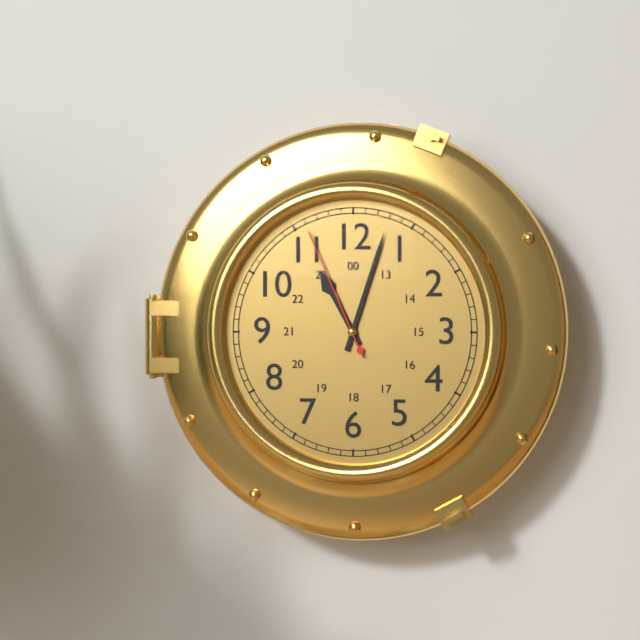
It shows {"hour": 11, "minute": 3, "second": 56}
